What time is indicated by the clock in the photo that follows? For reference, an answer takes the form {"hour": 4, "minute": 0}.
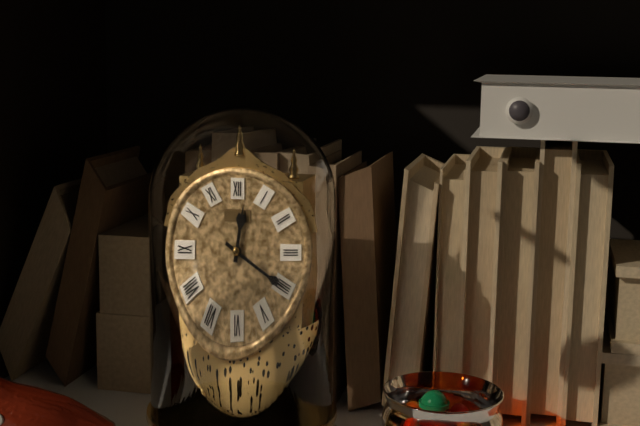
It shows {"hour": 12, "minute": 20}
